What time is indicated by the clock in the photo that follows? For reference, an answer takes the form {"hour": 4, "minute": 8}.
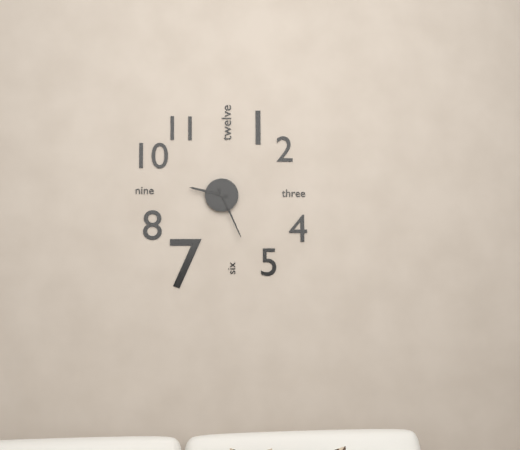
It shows {"hour": 9, "minute": 26}
